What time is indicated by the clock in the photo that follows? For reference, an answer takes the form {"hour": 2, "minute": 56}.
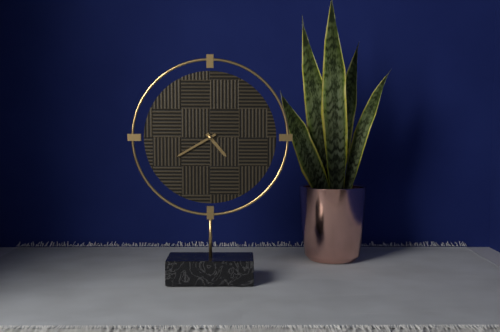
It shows {"hour": 4, "minute": 40}
